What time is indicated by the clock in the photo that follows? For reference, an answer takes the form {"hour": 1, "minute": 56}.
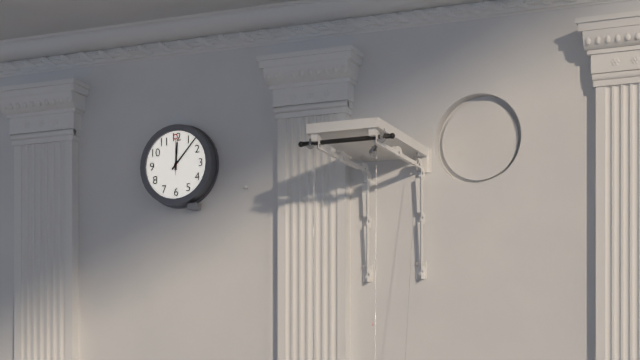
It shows {"hour": 12, "minute": 7}
